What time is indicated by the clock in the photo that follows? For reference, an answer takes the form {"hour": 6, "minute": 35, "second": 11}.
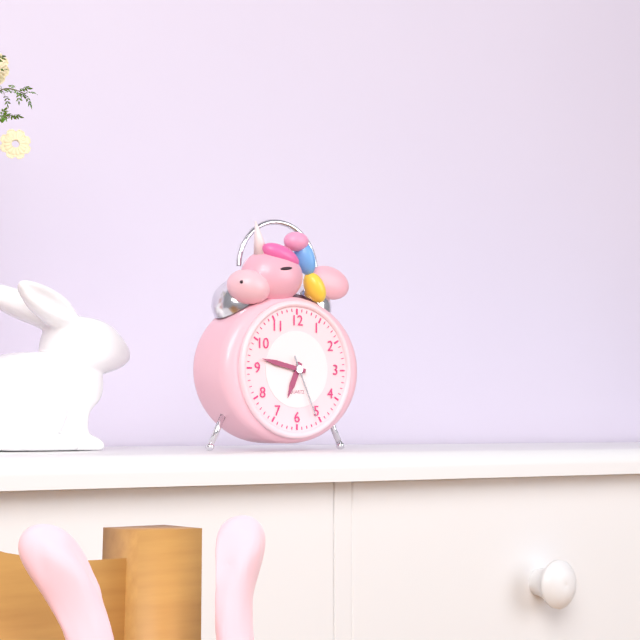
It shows {"hour": 6, "minute": 47, "second": 26}
